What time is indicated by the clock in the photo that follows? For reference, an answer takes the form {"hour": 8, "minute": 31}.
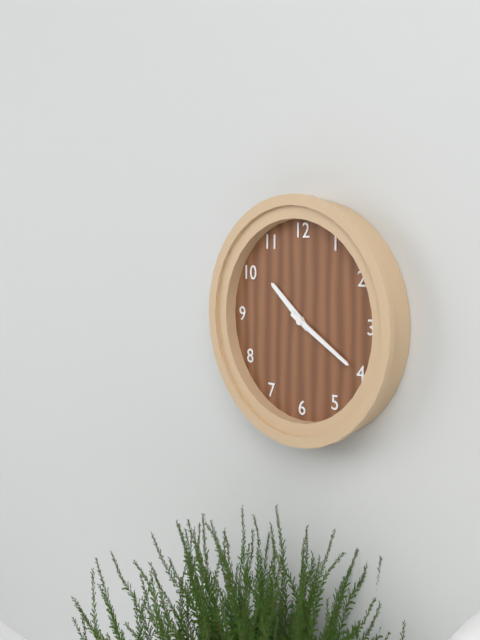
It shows {"hour": 10, "minute": 20}
